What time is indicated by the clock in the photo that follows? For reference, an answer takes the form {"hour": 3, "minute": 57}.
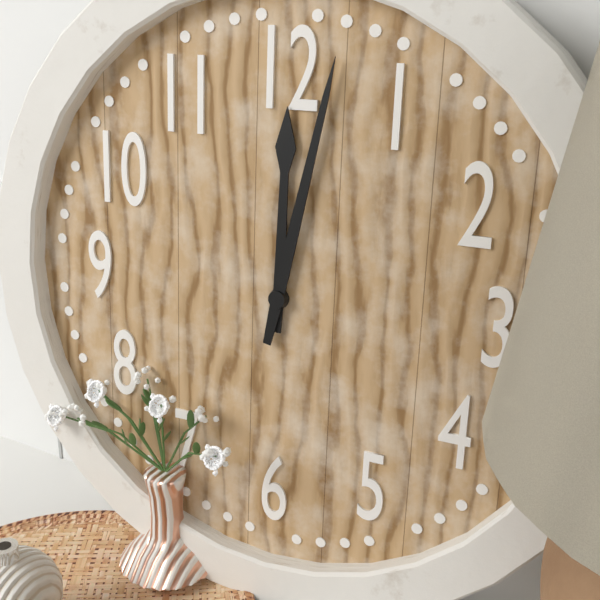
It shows {"hour": 12, "minute": 2}
